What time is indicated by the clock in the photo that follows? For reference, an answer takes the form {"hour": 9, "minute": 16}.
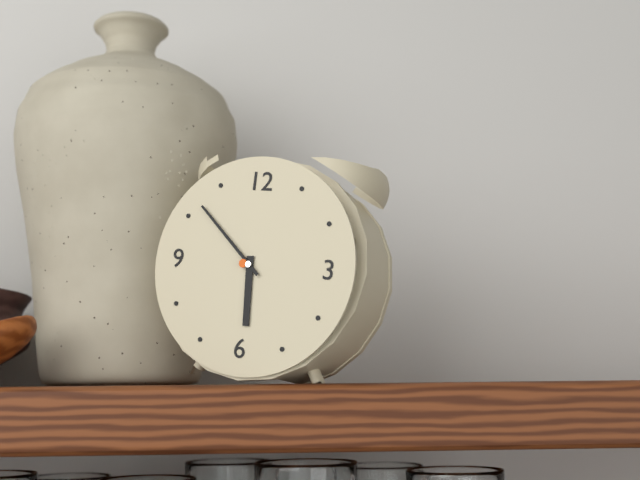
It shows {"hour": 5, "minute": 52}
